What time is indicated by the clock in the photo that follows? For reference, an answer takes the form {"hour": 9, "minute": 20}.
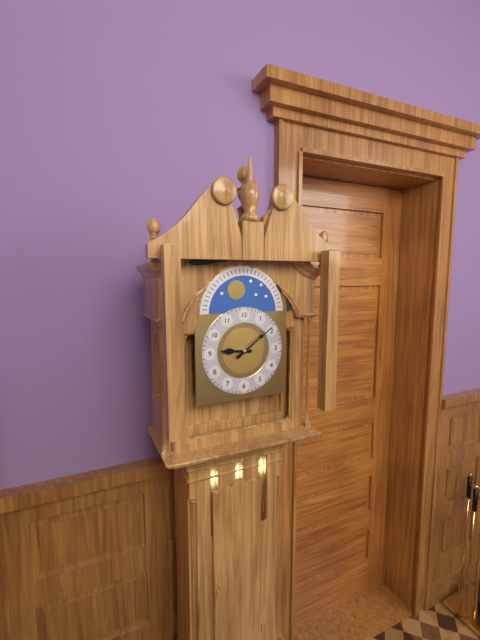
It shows {"hour": 9, "minute": 9}
